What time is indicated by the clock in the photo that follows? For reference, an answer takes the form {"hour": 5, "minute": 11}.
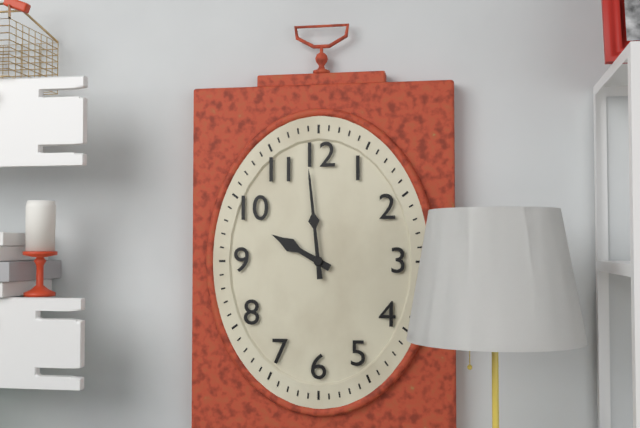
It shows {"hour": 9, "minute": 59}
